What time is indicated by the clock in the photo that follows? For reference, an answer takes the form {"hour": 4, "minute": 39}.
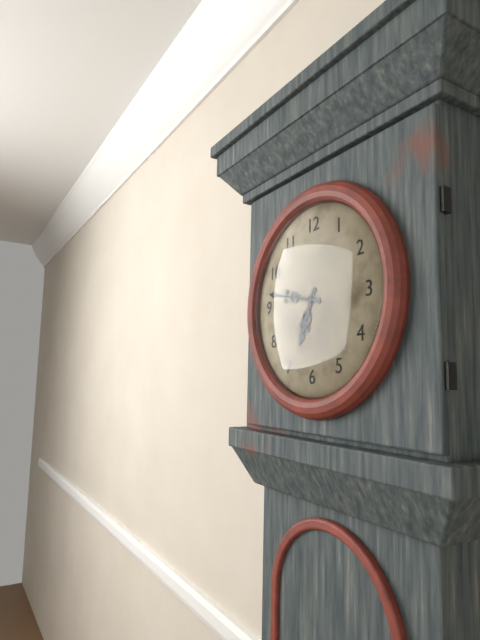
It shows {"hour": 6, "minute": 47}
